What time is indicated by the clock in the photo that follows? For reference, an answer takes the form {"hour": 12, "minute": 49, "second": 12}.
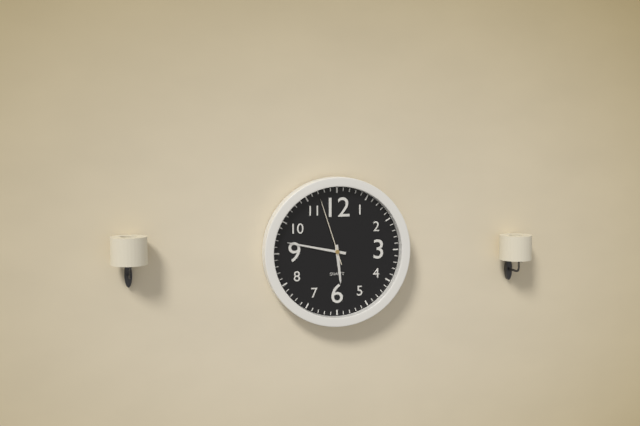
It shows {"hour": 5, "minute": 47, "second": 57}
